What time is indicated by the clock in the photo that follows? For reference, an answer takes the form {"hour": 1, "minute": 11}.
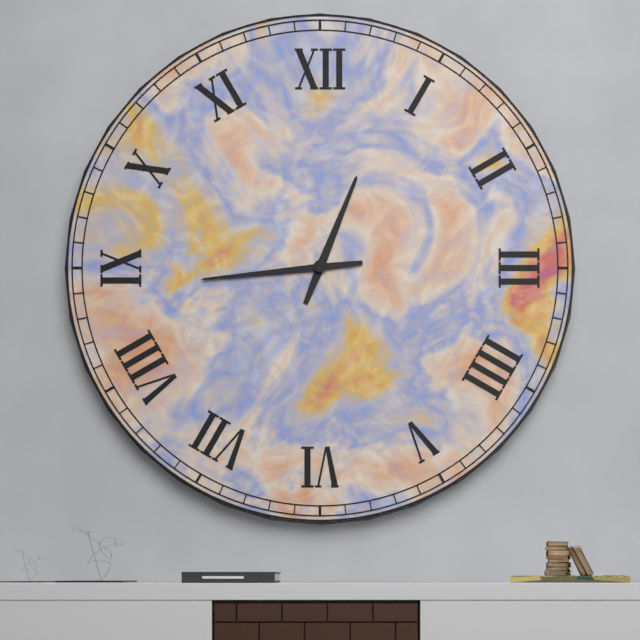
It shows {"hour": 12, "minute": 44}
